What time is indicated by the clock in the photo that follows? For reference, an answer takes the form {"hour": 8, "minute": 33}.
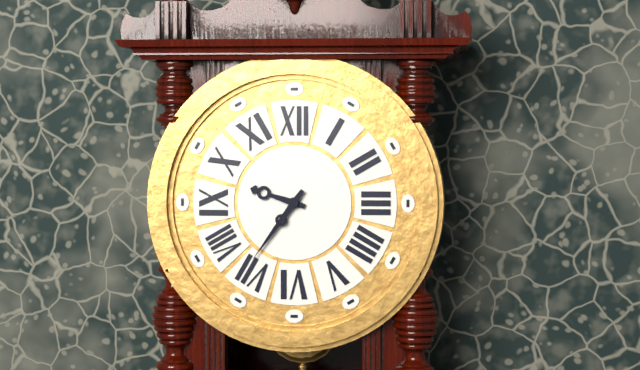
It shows {"hour": 9, "minute": 36}
